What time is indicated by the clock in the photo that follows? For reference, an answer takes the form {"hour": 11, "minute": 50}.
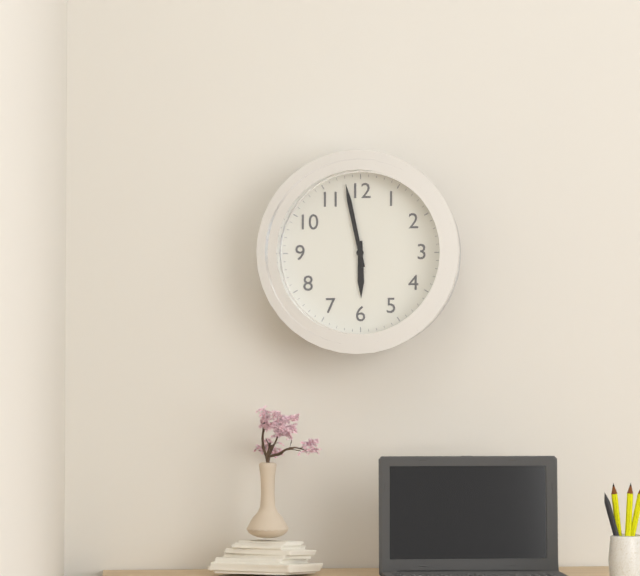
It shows {"hour": 5, "minute": 58}
